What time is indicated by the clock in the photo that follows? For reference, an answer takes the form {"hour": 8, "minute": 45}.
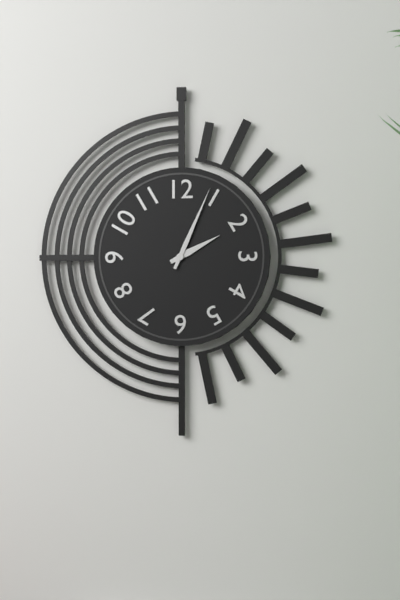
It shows {"hour": 2, "minute": 4}
